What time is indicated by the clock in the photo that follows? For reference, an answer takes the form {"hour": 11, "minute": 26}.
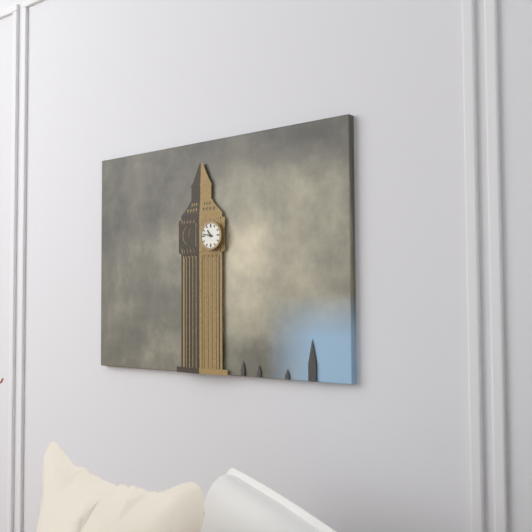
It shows {"hour": 10, "minute": 47}
